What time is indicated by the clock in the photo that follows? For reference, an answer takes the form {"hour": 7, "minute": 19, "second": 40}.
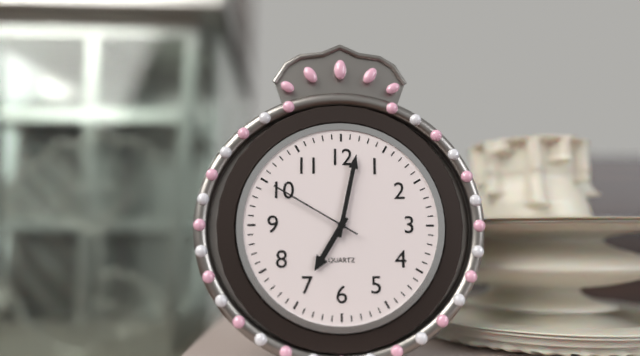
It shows {"hour": 7, "minute": 2, "second": 50}
